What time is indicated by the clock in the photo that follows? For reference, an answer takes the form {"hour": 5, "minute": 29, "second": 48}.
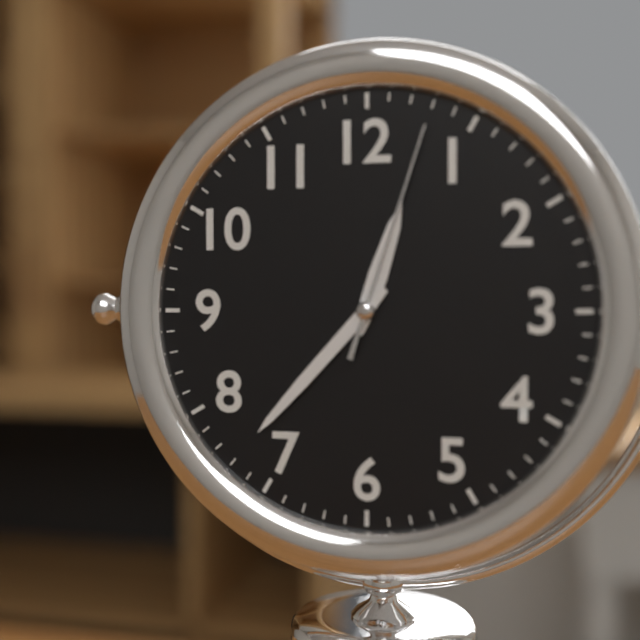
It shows {"hour": 12, "minute": 37, "second": 3}
